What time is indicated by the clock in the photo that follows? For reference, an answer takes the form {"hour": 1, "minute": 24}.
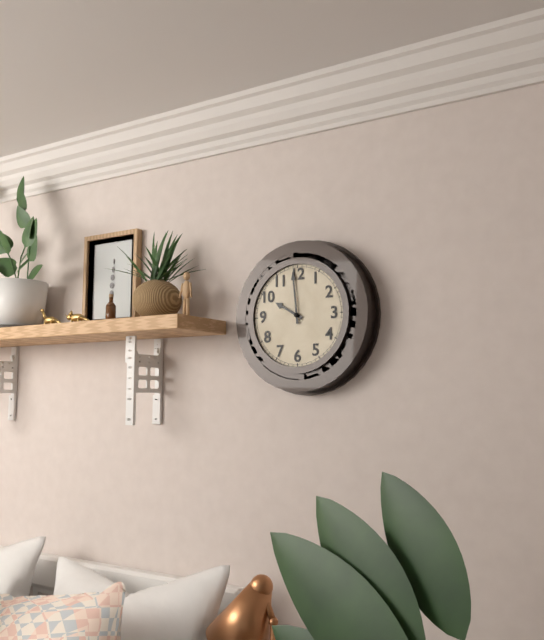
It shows {"hour": 9, "minute": 59}
